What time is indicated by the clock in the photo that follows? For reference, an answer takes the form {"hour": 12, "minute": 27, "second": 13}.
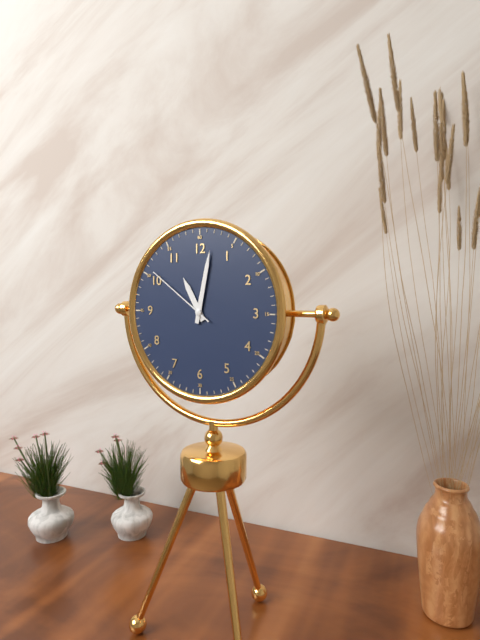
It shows {"hour": 11, "minute": 2, "second": 51}
